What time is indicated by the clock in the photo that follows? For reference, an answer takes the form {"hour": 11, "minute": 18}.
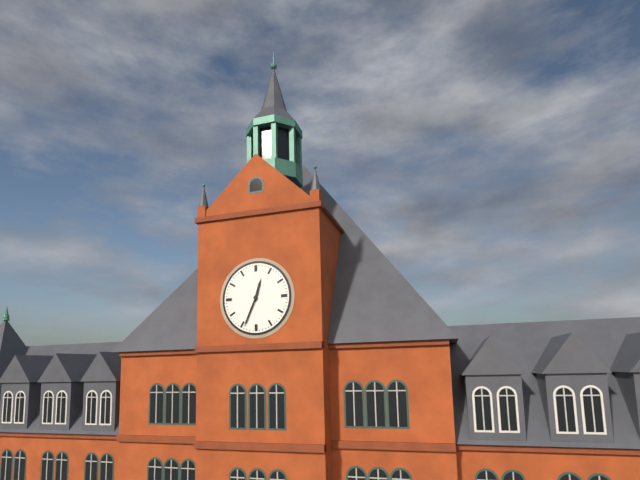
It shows {"hour": 12, "minute": 34}
